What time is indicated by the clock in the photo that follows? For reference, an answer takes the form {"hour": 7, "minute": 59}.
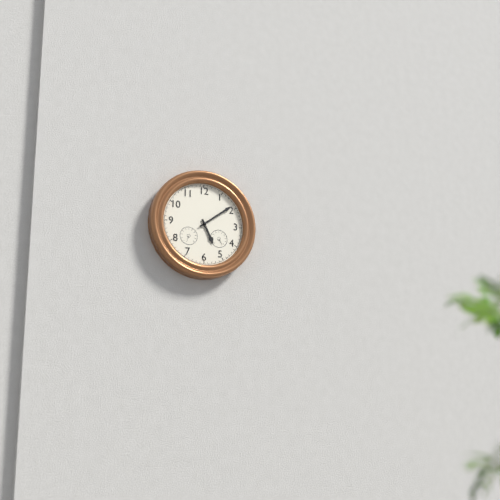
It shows {"hour": 5, "minute": 9}
